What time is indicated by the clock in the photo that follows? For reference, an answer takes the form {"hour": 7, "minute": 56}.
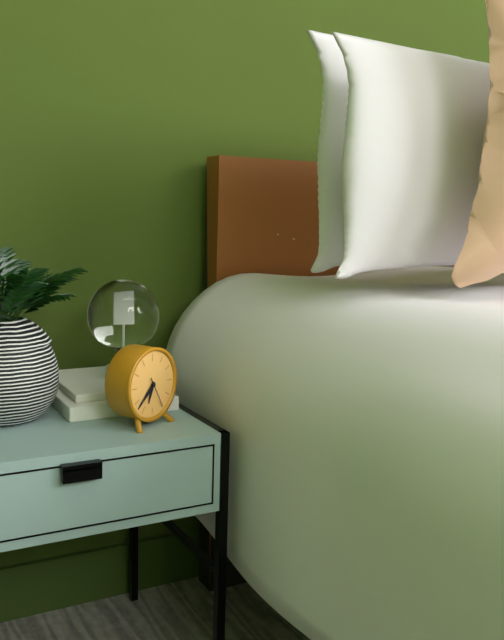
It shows {"hour": 6, "minute": 38}
